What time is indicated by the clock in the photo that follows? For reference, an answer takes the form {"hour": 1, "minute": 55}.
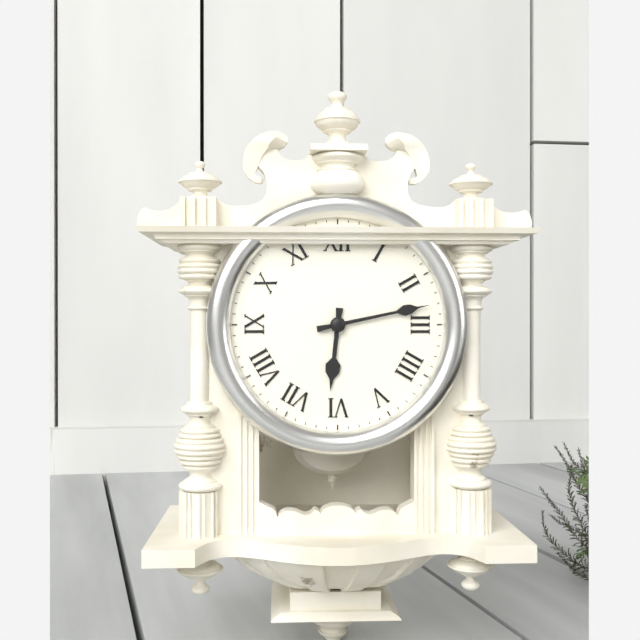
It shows {"hour": 6, "minute": 13}
